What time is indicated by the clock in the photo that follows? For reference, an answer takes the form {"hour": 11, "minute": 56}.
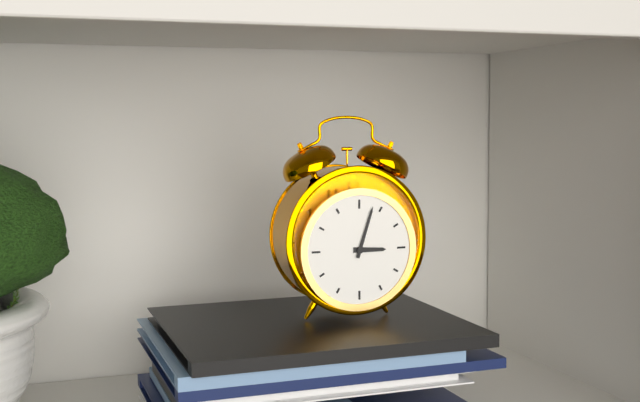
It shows {"hour": 3, "minute": 3}
